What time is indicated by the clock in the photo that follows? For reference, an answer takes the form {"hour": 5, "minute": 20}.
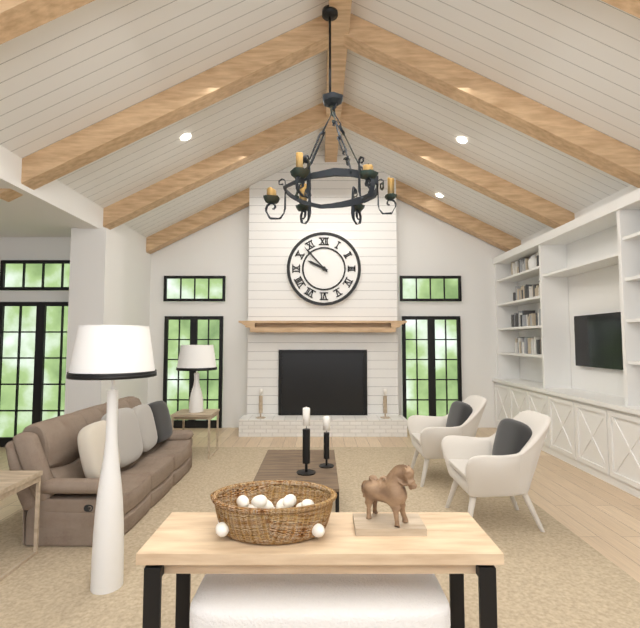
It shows {"hour": 9, "minute": 53}
